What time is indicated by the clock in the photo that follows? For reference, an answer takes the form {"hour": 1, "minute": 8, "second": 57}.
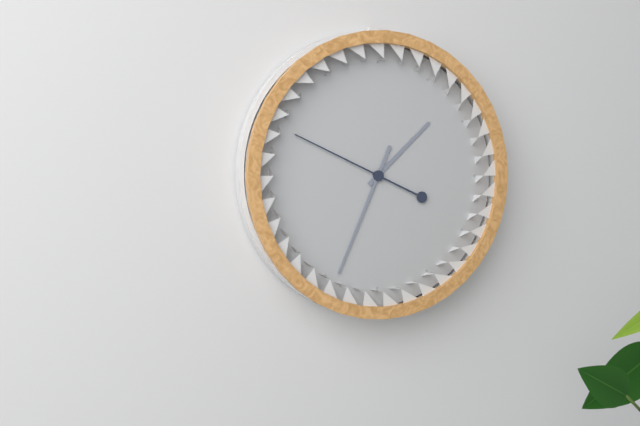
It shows {"hour": 1, "minute": 34, "second": 49}
